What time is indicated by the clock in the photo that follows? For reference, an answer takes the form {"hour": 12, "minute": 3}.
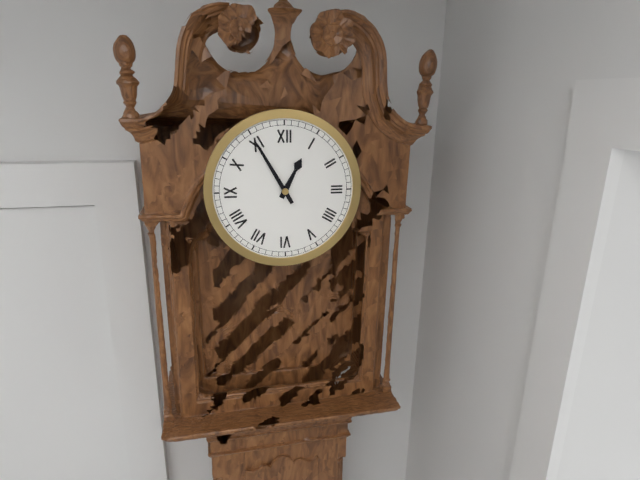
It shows {"hour": 12, "minute": 55}
